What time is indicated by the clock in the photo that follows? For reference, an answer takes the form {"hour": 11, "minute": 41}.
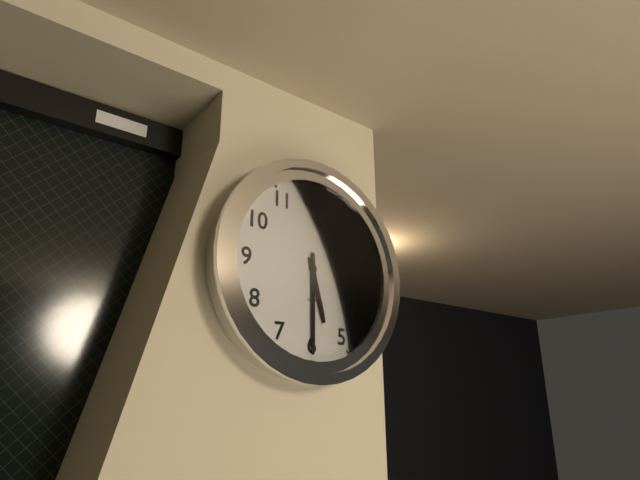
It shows {"hour": 5, "minute": 30}
